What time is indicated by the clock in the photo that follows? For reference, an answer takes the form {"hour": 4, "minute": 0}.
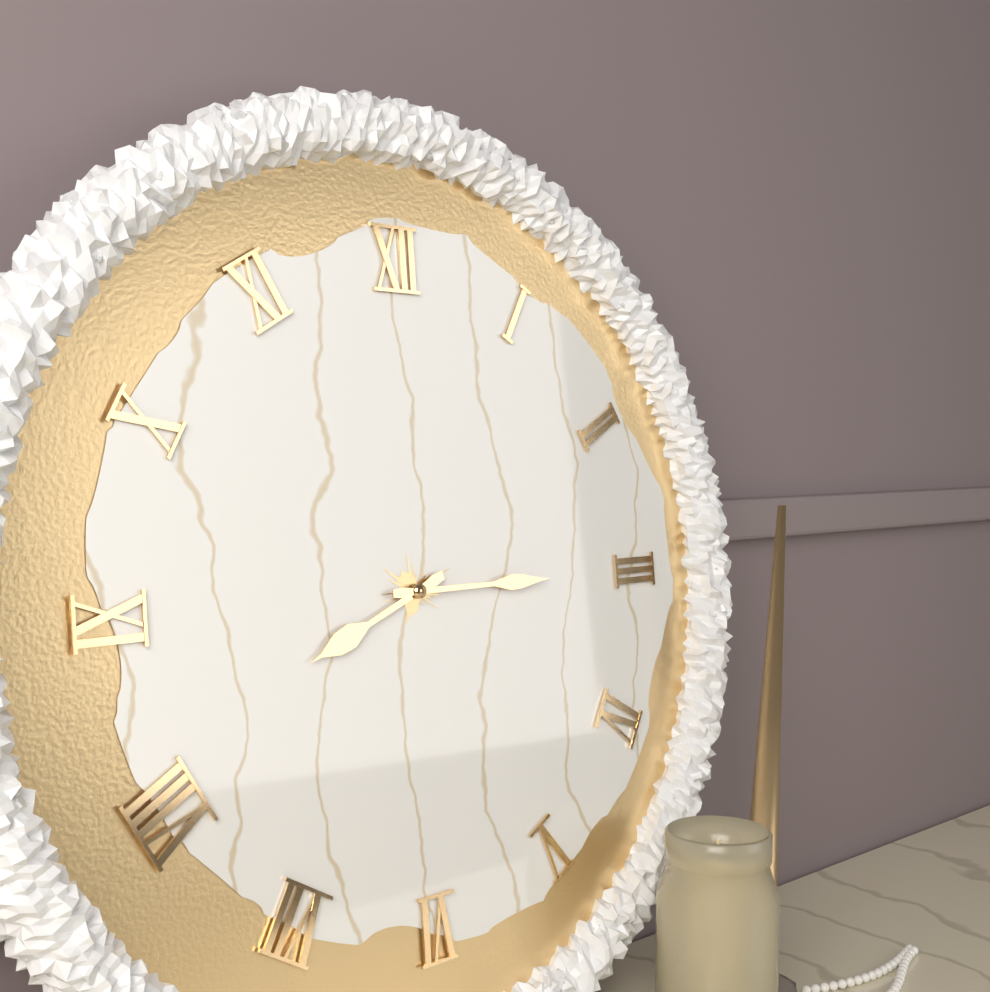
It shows {"hour": 8, "minute": 15}
